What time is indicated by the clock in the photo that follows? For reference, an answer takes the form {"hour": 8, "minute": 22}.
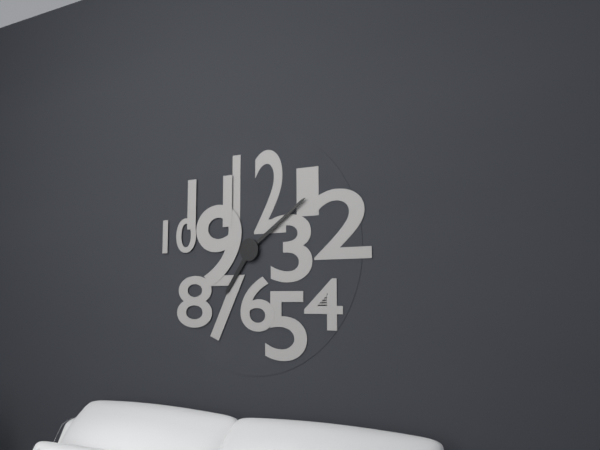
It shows {"hour": 7, "minute": 9}
